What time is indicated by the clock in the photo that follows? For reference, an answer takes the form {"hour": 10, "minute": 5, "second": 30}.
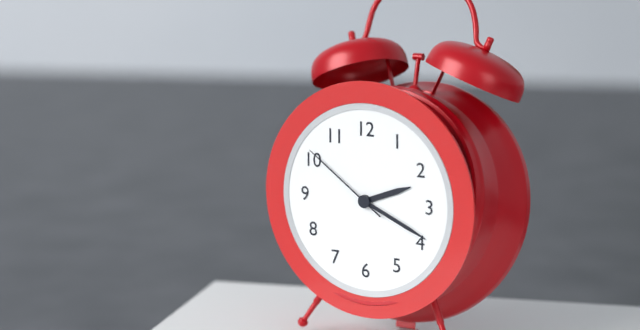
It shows {"hour": 2, "minute": 19, "second": 51}
